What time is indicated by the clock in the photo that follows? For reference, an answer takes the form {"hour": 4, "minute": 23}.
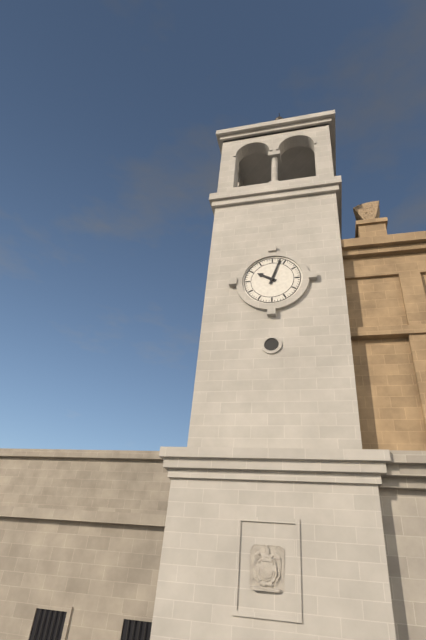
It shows {"hour": 10, "minute": 3}
